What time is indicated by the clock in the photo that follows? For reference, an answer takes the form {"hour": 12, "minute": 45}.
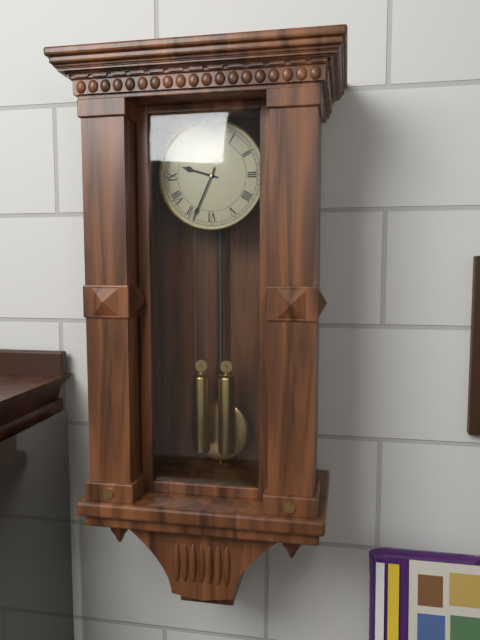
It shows {"hour": 9, "minute": 34}
